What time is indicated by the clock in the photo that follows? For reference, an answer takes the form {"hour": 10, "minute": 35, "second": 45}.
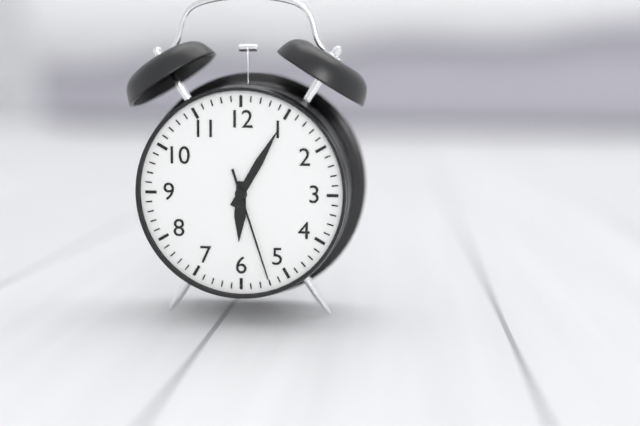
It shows {"hour": 6, "minute": 5, "second": 27}
